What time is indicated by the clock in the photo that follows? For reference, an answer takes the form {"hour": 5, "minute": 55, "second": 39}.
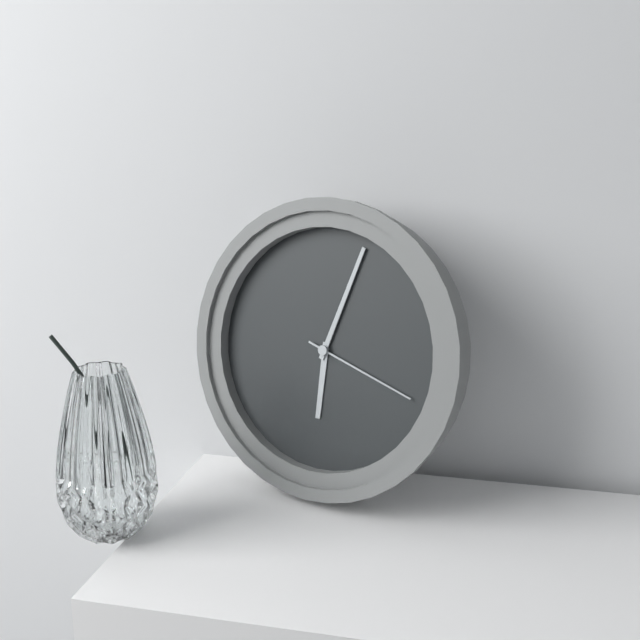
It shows {"hour": 6, "minute": 3, "second": 18}
